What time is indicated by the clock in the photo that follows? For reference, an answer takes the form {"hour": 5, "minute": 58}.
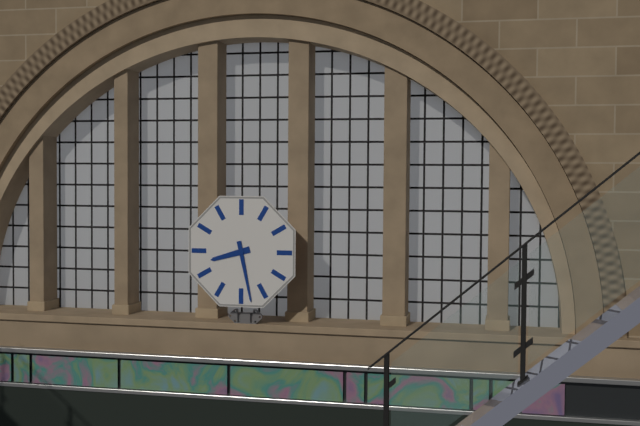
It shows {"hour": 8, "minute": 28}
